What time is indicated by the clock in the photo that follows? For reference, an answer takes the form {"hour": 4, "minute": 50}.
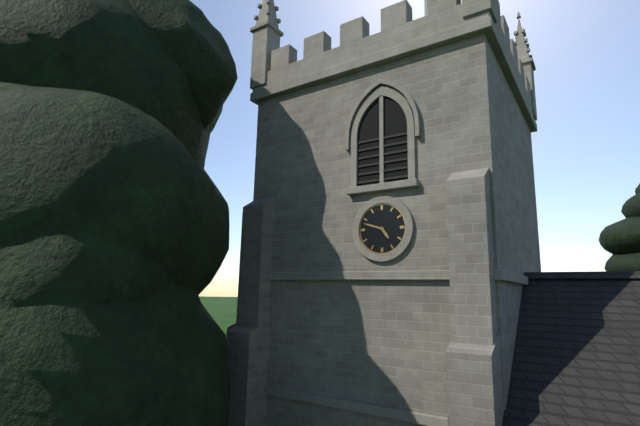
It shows {"hour": 4, "minute": 48}
